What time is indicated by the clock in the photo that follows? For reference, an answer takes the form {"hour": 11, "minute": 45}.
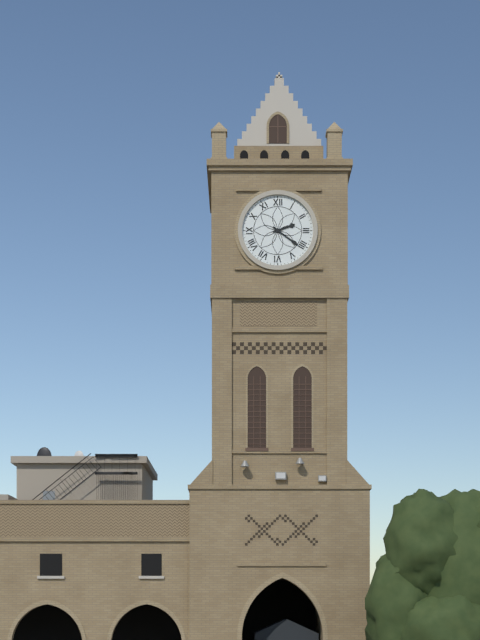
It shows {"hour": 2, "minute": 21}
